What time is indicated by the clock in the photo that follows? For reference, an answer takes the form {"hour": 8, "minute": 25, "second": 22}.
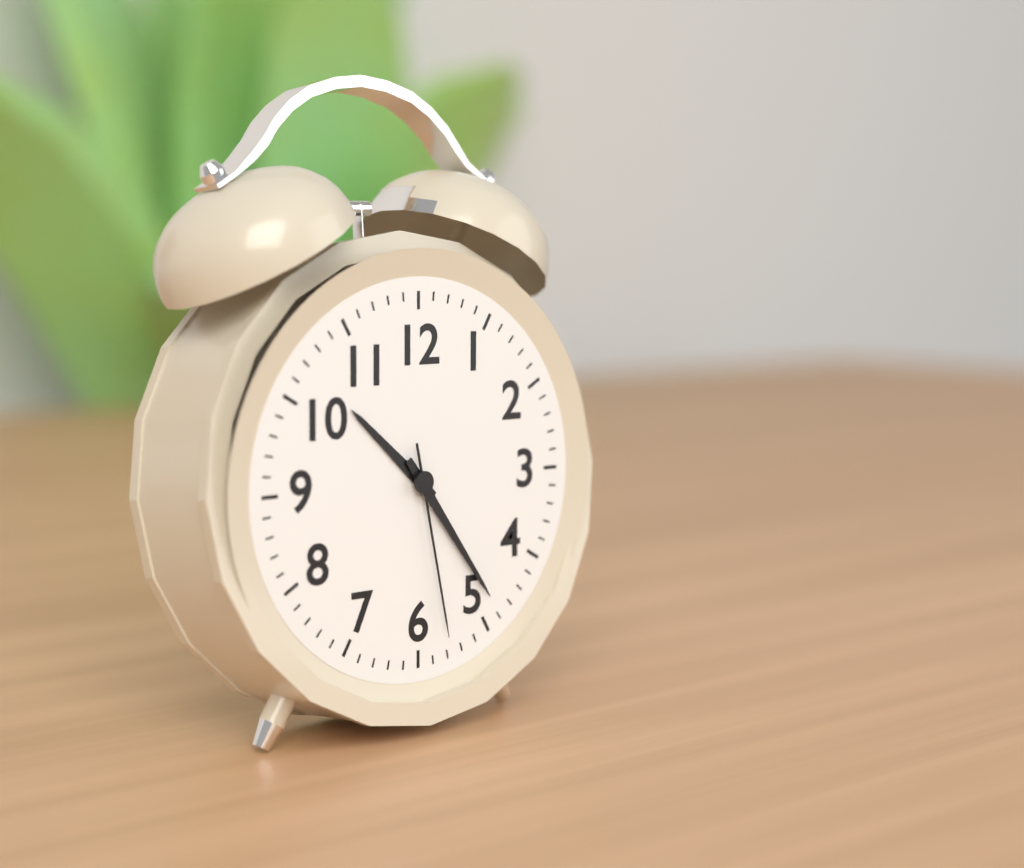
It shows {"hour": 10, "minute": 24, "second": 28}
